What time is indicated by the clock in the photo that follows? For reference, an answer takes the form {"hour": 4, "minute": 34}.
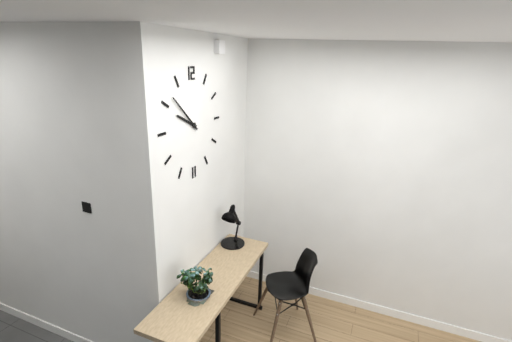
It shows {"hour": 9, "minute": 52}
